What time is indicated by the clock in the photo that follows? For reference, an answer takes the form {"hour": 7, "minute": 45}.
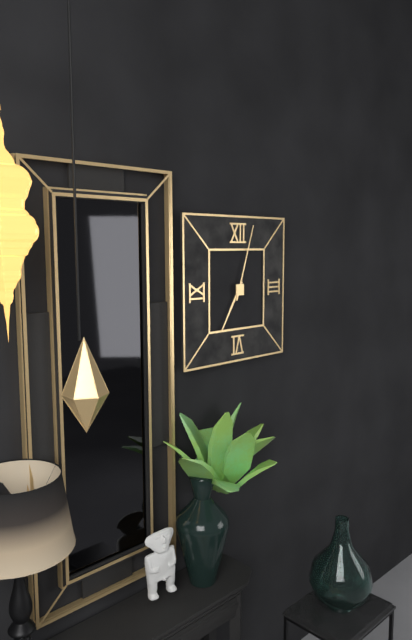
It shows {"hour": 7, "minute": 3}
